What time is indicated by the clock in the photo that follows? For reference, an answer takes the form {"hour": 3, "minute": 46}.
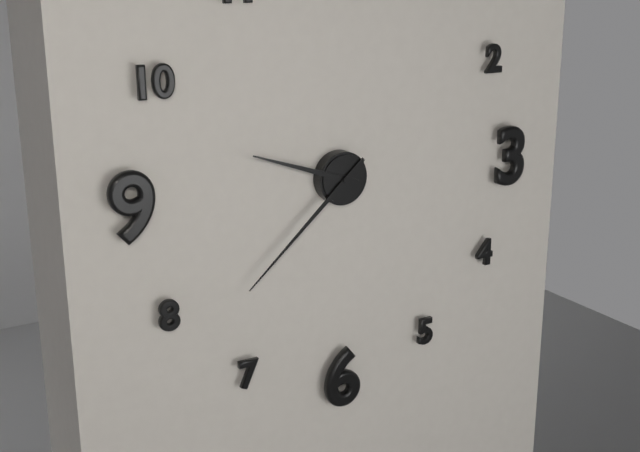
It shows {"hour": 9, "minute": 38}
